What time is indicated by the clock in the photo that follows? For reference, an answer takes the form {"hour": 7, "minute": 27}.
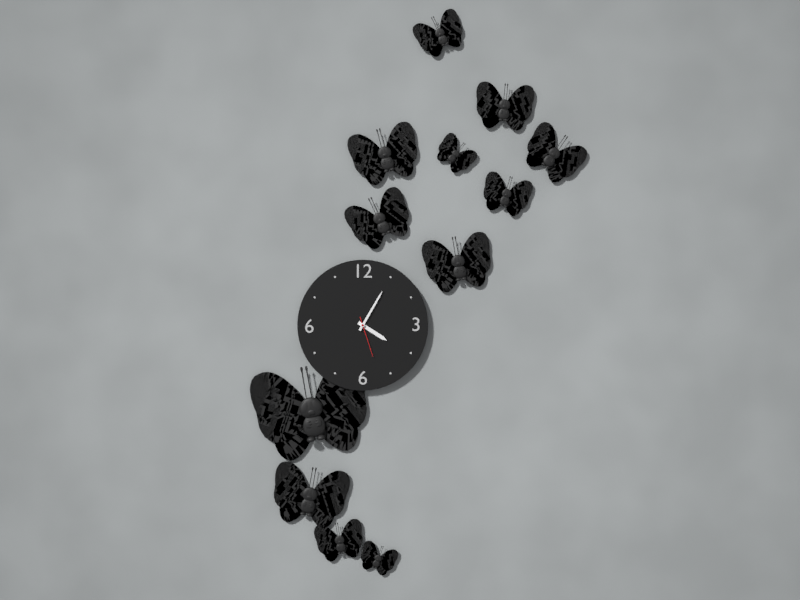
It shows {"hour": 4, "minute": 5}
